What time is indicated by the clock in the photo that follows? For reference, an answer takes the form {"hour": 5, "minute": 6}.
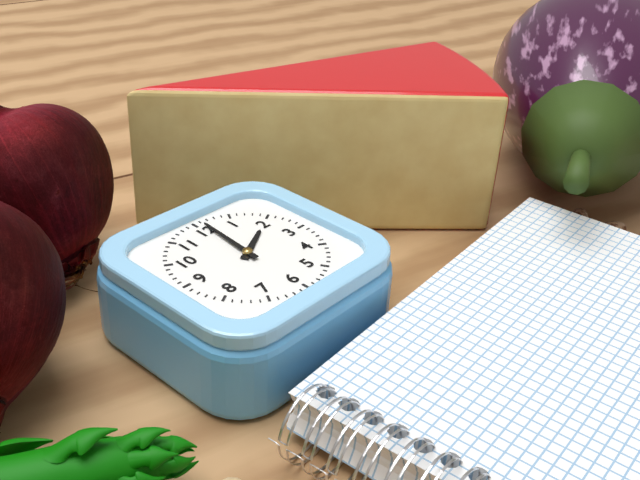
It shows {"hour": 2, "minute": 1}
